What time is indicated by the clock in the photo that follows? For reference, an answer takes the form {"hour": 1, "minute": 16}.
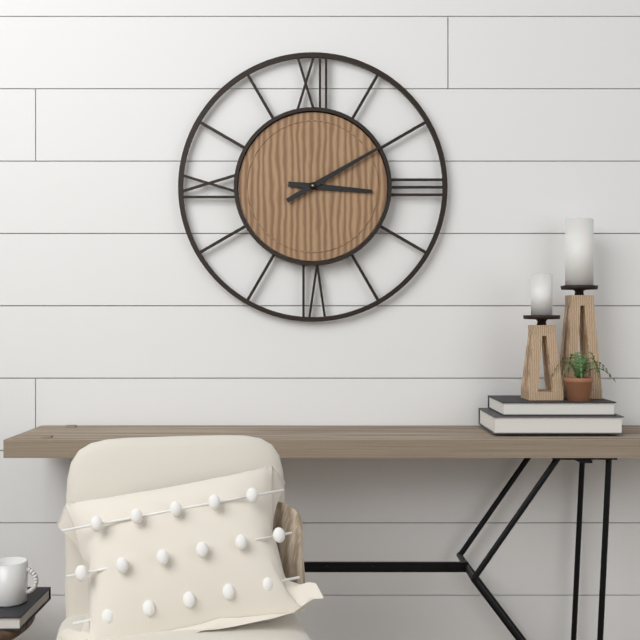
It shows {"hour": 3, "minute": 10}
